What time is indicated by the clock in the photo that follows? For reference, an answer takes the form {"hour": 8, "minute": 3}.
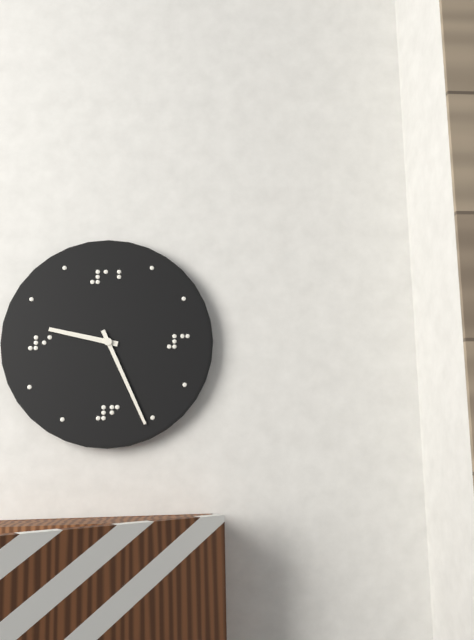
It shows {"hour": 9, "minute": 26}
